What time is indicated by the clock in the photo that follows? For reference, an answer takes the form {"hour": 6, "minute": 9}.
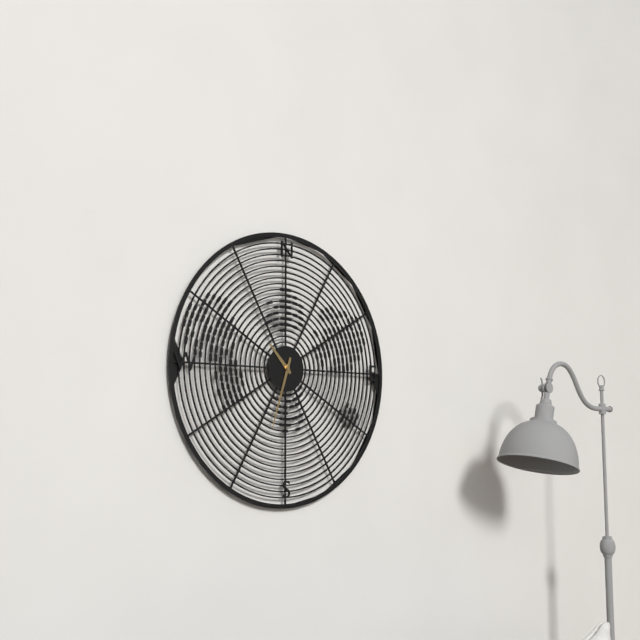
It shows {"hour": 10, "minute": 33}
